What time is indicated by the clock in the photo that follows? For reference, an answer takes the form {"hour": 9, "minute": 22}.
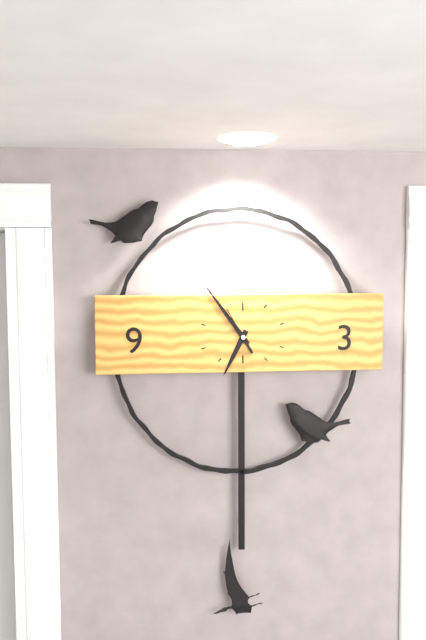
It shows {"hour": 6, "minute": 54}
